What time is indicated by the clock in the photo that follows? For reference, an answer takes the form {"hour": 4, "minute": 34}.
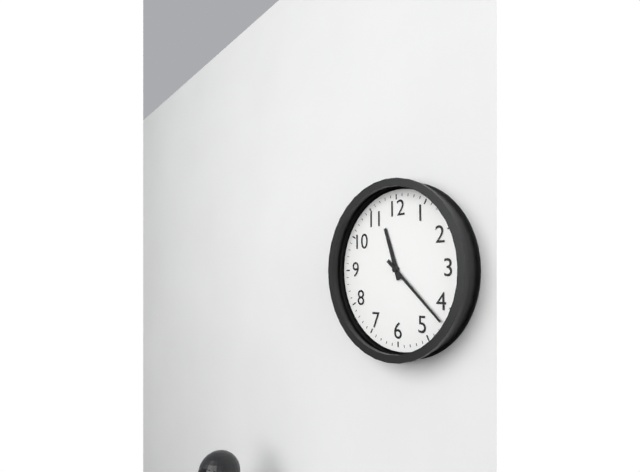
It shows {"hour": 11, "minute": 22}
